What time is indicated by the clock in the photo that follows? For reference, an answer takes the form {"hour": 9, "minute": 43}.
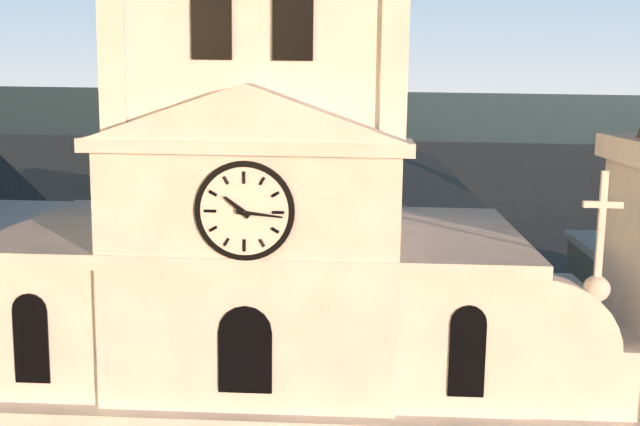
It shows {"hour": 10, "minute": 16}
